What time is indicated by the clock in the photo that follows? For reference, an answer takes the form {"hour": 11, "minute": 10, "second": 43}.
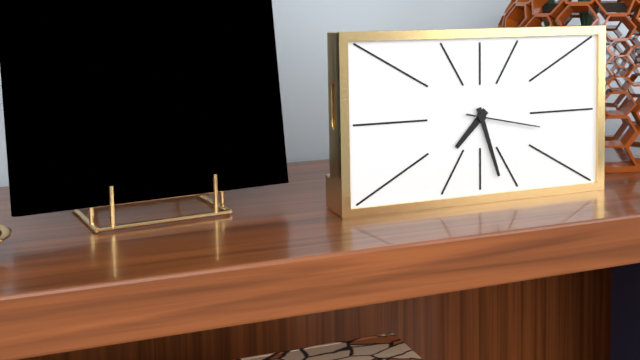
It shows {"hour": 7, "minute": 27, "second": 17}
